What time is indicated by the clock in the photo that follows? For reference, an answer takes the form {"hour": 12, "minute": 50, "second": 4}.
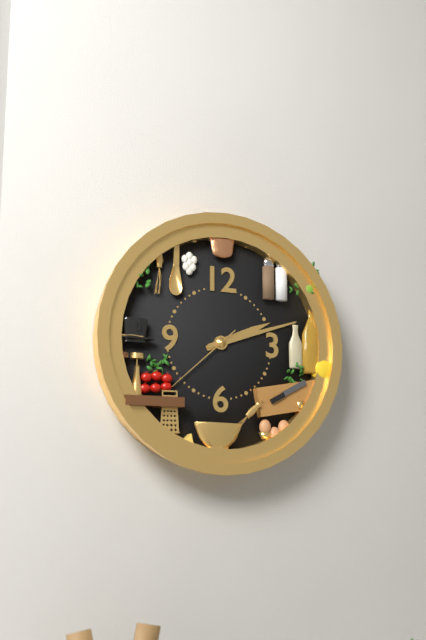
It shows {"hour": 2, "minute": 12, "second": 38}
